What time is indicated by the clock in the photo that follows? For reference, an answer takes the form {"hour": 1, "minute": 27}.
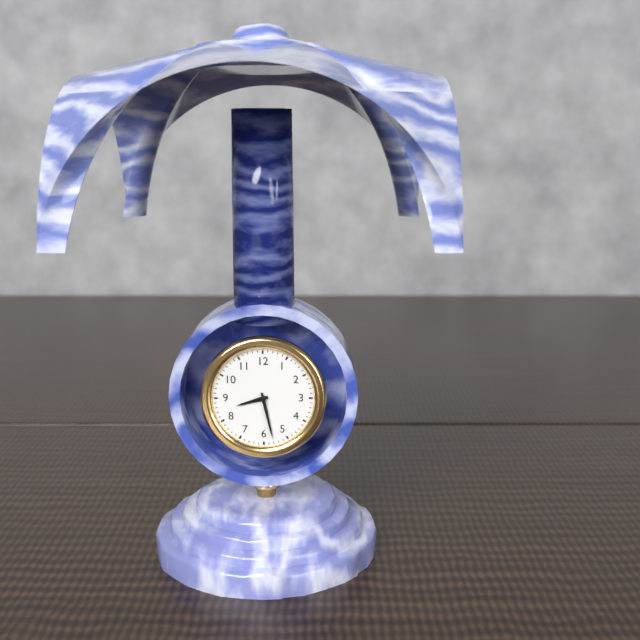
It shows {"hour": 8, "minute": 28}
